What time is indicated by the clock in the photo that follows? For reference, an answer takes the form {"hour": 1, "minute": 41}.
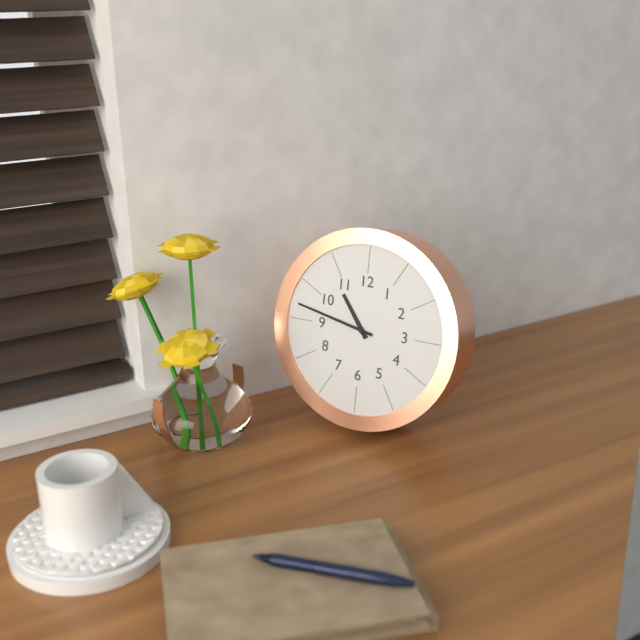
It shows {"hour": 10, "minute": 47}
